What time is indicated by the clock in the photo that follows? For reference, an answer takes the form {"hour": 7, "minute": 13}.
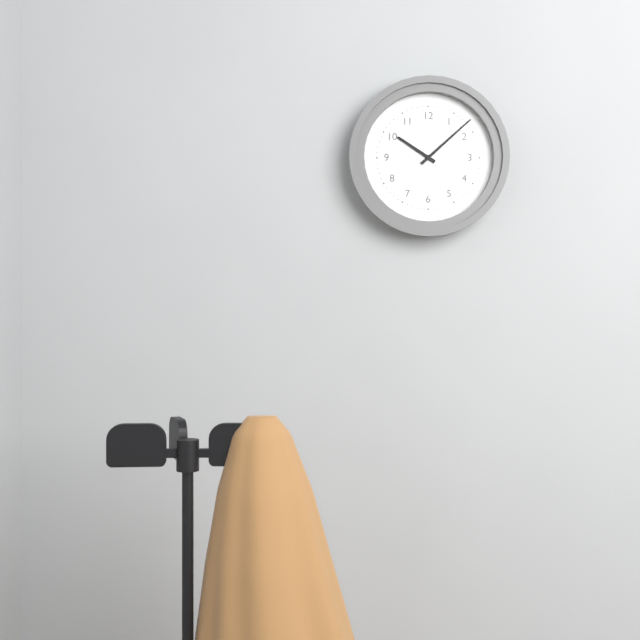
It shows {"hour": 10, "minute": 8}
